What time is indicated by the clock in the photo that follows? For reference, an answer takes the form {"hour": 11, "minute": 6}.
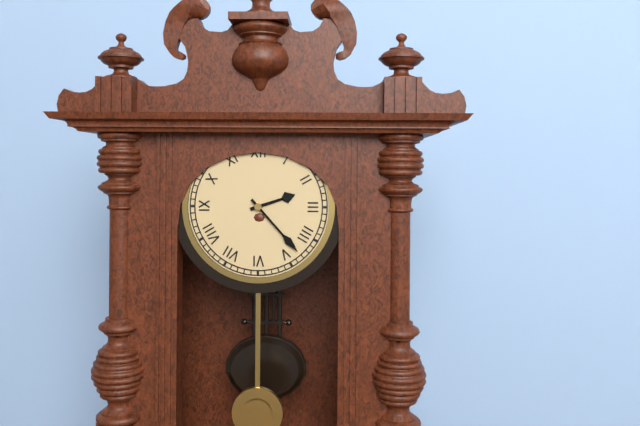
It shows {"hour": 2, "minute": 23}
